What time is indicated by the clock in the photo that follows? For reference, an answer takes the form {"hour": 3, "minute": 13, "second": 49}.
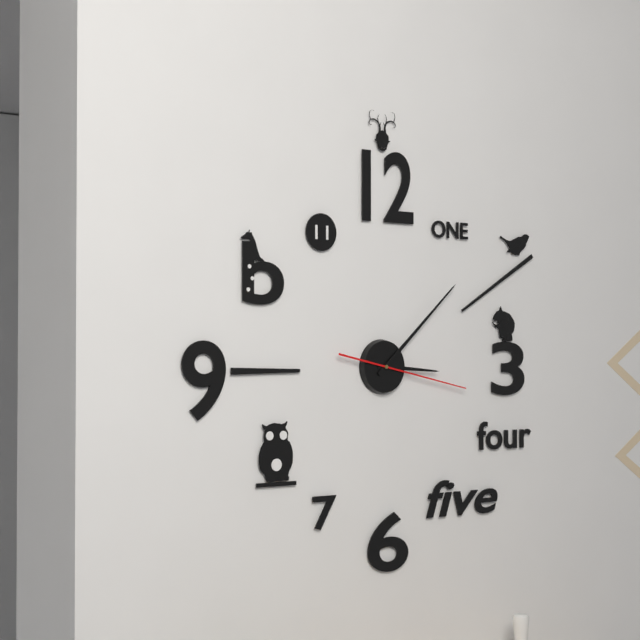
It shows {"hour": 3, "minute": 8, "second": 17}
